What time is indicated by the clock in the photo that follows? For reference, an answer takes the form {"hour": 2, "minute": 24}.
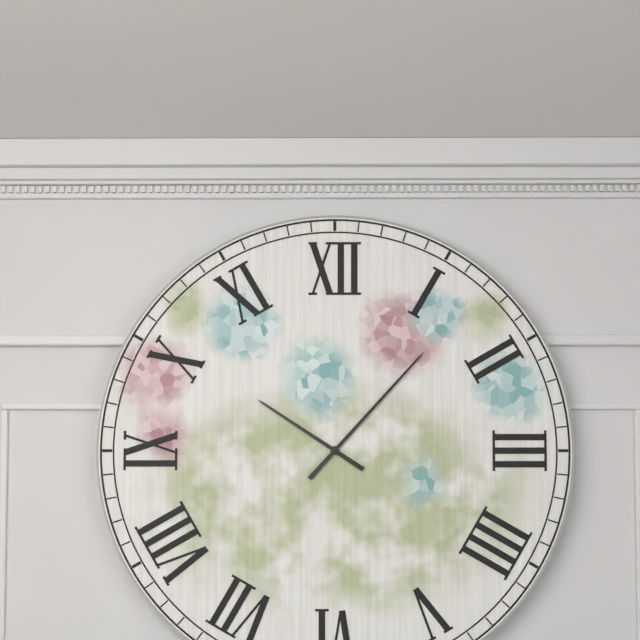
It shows {"hour": 10, "minute": 7}
